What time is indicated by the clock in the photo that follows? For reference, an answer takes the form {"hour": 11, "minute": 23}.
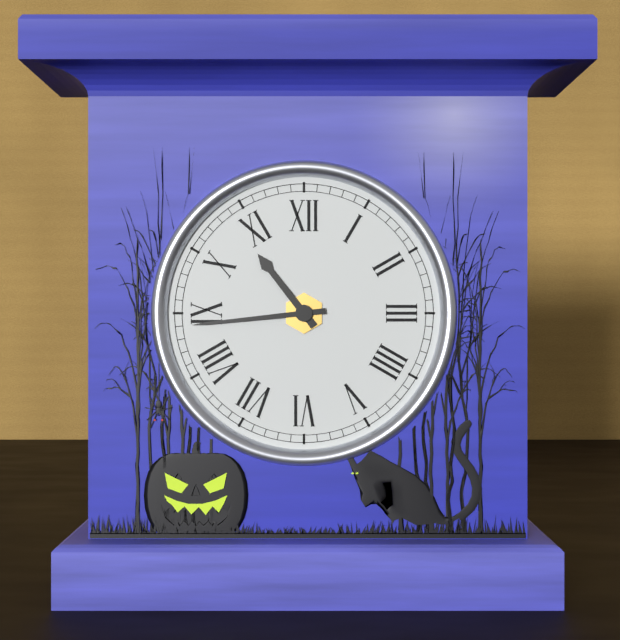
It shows {"hour": 10, "minute": 44}
